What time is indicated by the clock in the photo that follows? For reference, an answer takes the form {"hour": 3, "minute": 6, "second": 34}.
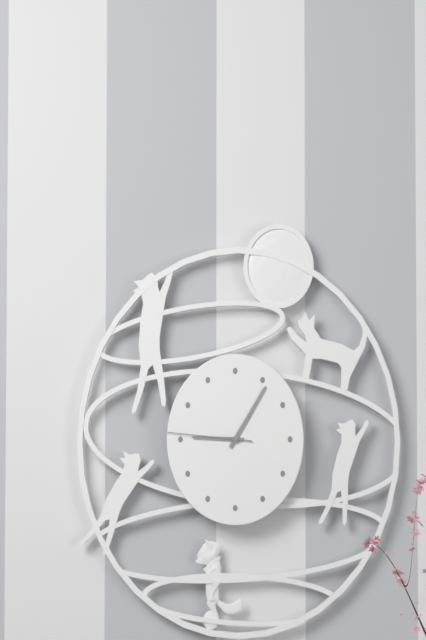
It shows {"hour": 9, "minute": 5, "second": 46}
